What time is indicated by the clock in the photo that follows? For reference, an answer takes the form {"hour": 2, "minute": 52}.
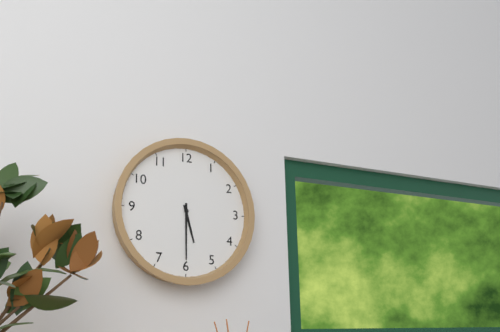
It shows {"hour": 5, "minute": 30}
